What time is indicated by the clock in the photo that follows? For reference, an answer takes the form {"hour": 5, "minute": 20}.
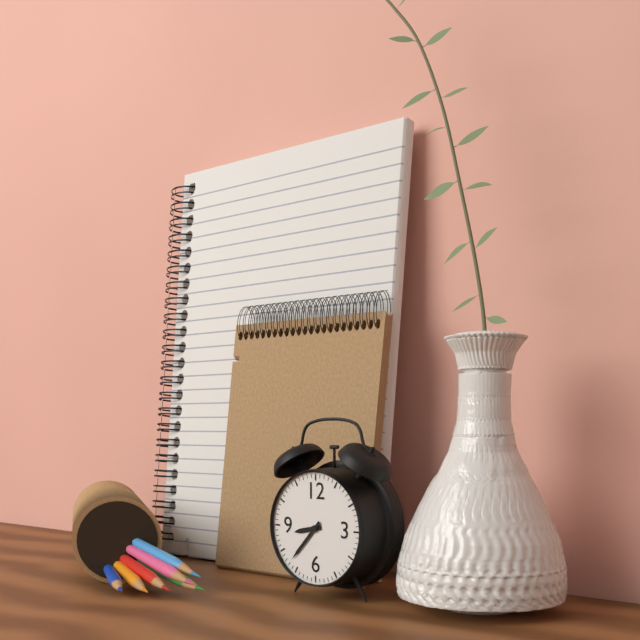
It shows {"hour": 8, "minute": 37}
